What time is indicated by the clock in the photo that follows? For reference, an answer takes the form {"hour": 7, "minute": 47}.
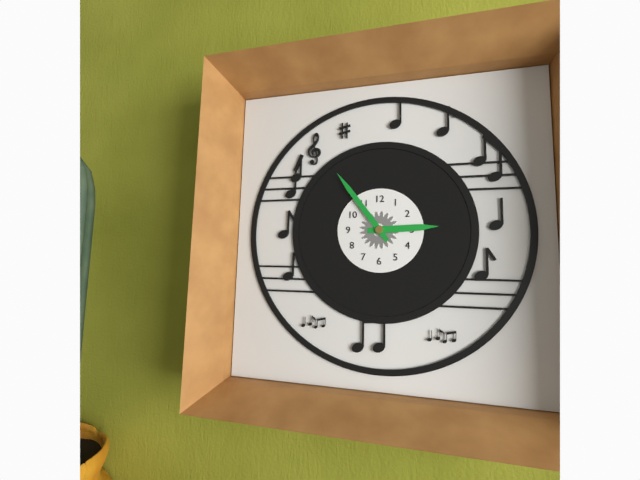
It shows {"hour": 2, "minute": 54}
